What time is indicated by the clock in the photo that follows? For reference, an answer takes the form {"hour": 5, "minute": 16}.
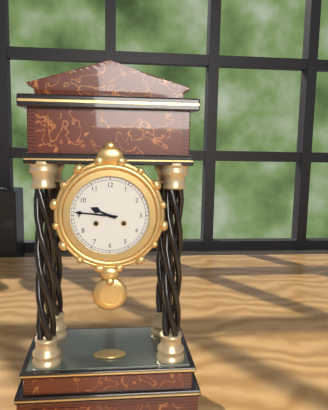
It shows {"hour": 9, "minute": 46}
